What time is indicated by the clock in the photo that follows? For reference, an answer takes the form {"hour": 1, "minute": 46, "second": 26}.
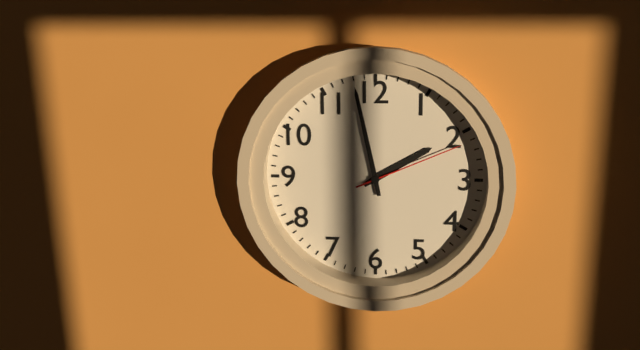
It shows {"hour": 1, "minute": 58, "second": 11}
